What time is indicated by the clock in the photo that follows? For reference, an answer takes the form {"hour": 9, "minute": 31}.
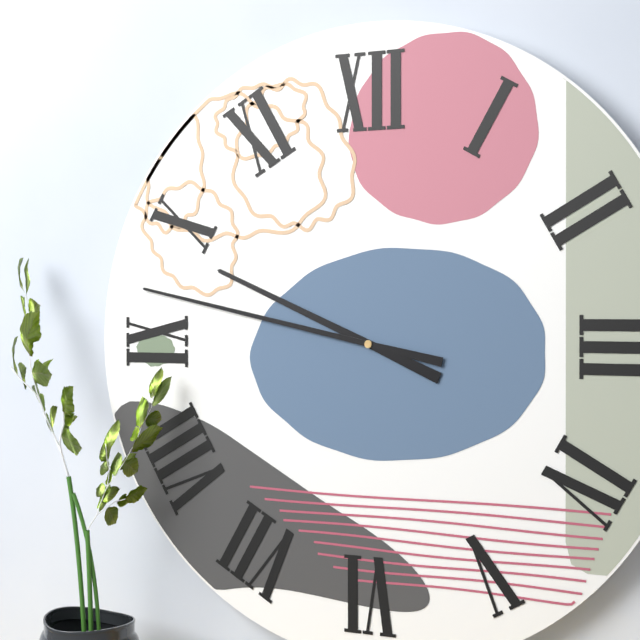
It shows {"hour": 9, "minute": 47}
